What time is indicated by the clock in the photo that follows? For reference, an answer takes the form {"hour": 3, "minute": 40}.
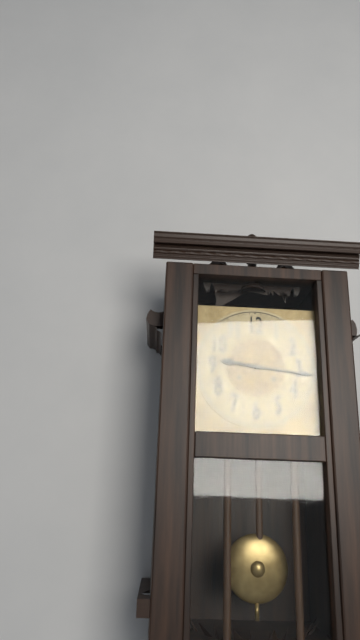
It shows {"hour": 9, "minute": 16}
